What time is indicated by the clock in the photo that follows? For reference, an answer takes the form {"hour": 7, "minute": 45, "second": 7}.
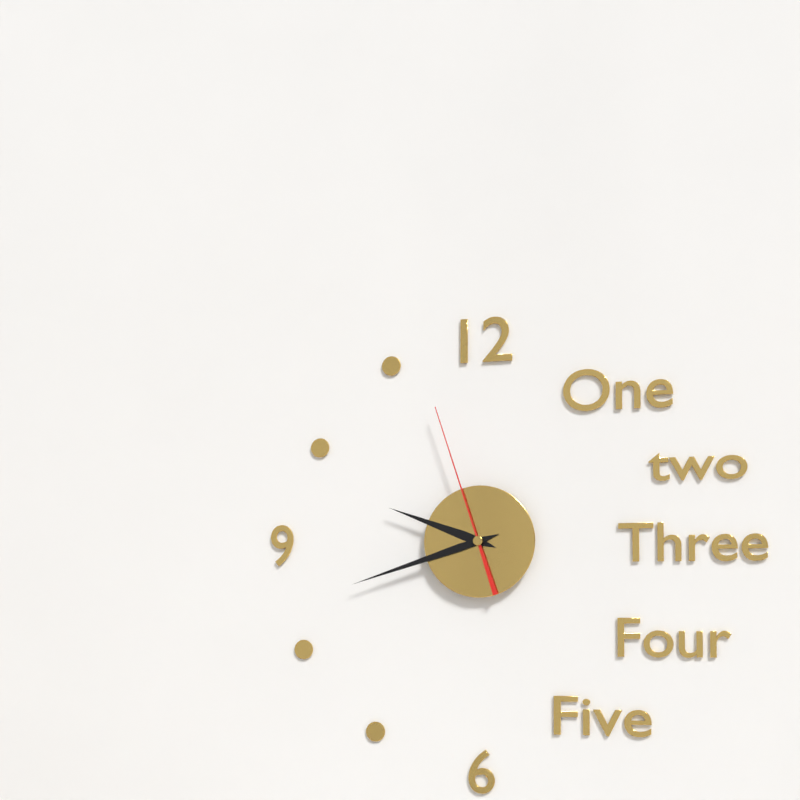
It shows {"hour": 9, "minute": 42, "second": 57}
